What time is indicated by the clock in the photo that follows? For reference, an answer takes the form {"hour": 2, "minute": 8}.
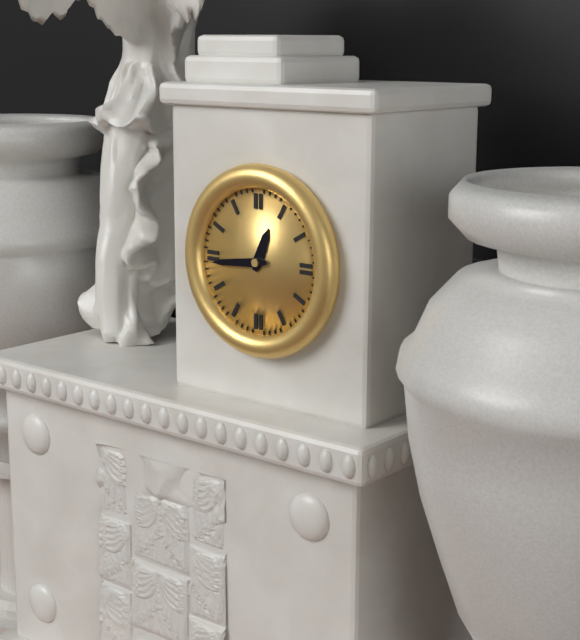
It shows {"hour": 12, "minute": 44}
